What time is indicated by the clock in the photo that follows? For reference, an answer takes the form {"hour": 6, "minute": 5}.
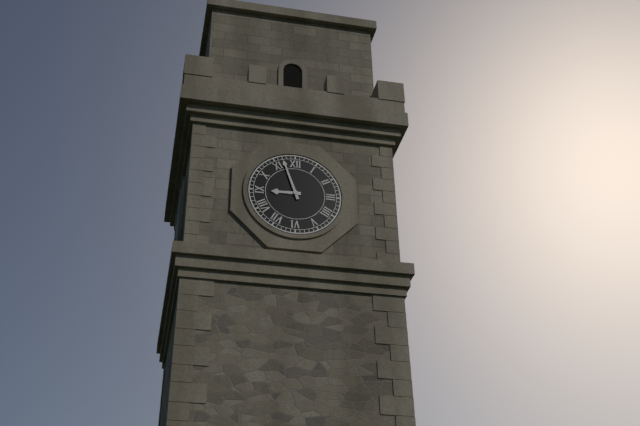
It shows {"hour": 8, "minute": 57}
